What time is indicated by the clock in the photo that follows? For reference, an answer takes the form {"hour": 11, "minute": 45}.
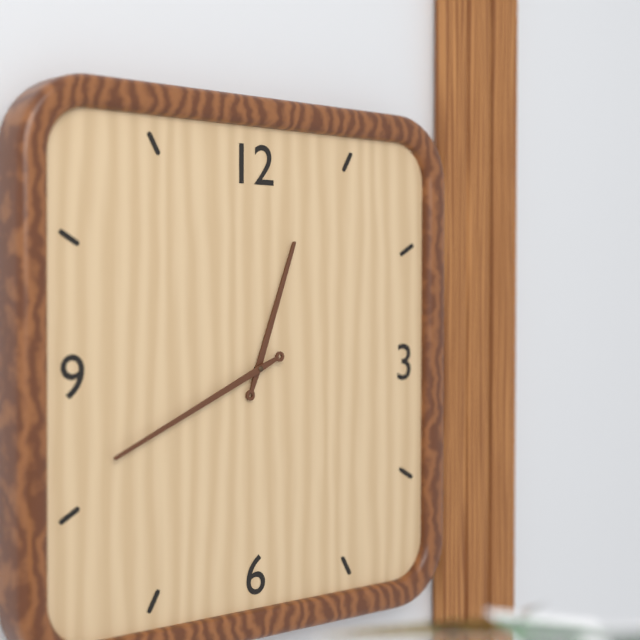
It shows {"hour": 12, "minute": 41}
